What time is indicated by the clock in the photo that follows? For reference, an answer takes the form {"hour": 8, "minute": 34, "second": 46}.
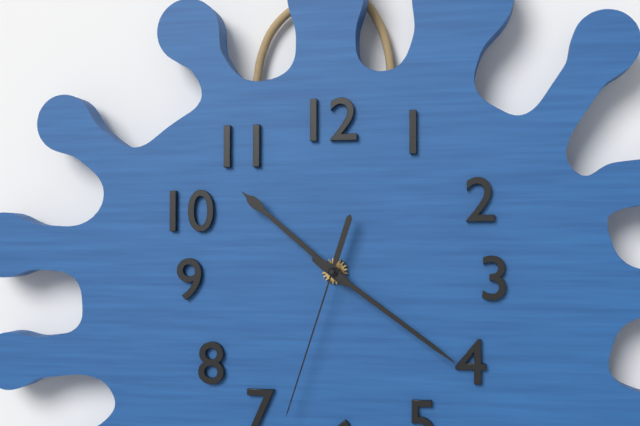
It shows {"hour": 10, "minute": 21, "second": 33}
